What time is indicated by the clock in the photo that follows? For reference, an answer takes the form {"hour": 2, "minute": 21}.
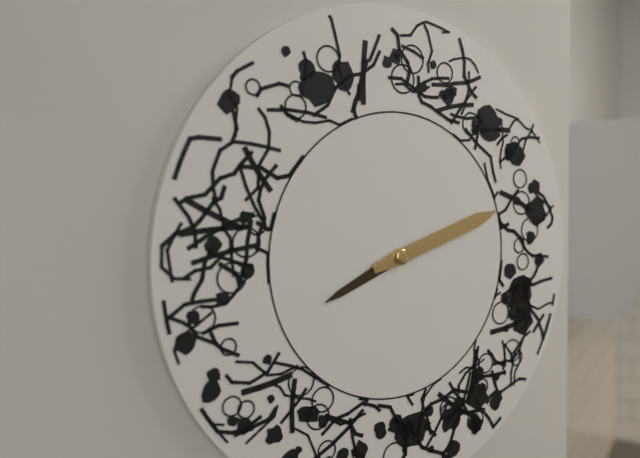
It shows {"hour": 8, "minute": 12}
